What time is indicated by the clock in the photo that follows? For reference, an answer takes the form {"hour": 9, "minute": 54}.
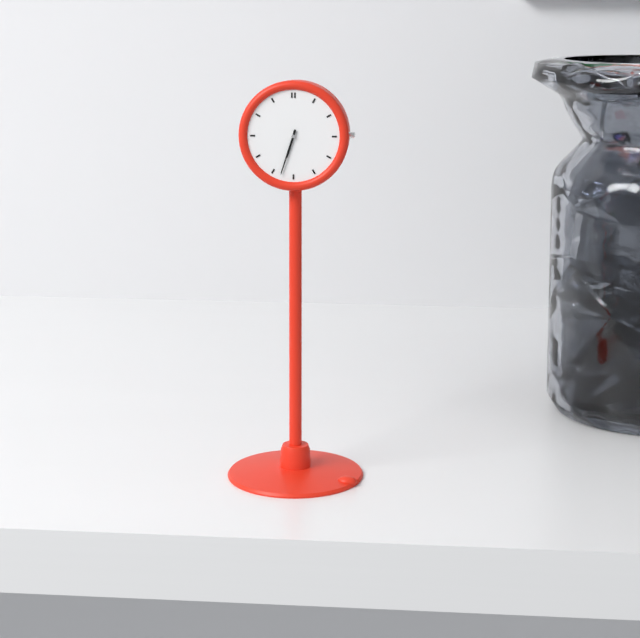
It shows {"hour": 6, "minute": 33}
